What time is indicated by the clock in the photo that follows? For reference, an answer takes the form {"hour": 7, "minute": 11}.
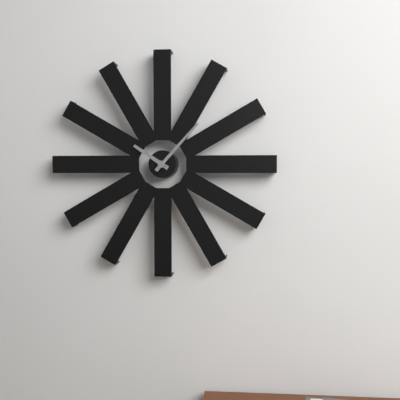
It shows {"hour": 10, "minute": 7}
